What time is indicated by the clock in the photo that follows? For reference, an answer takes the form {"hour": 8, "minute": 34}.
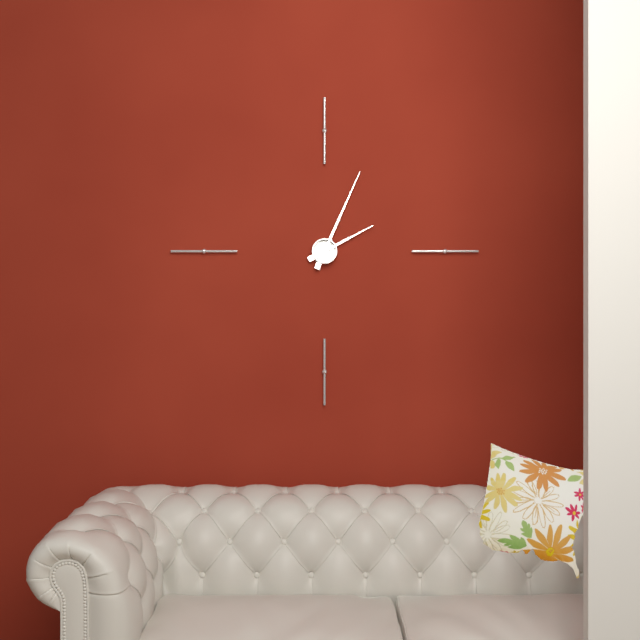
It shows {"hour": 2, "minute": 4}
